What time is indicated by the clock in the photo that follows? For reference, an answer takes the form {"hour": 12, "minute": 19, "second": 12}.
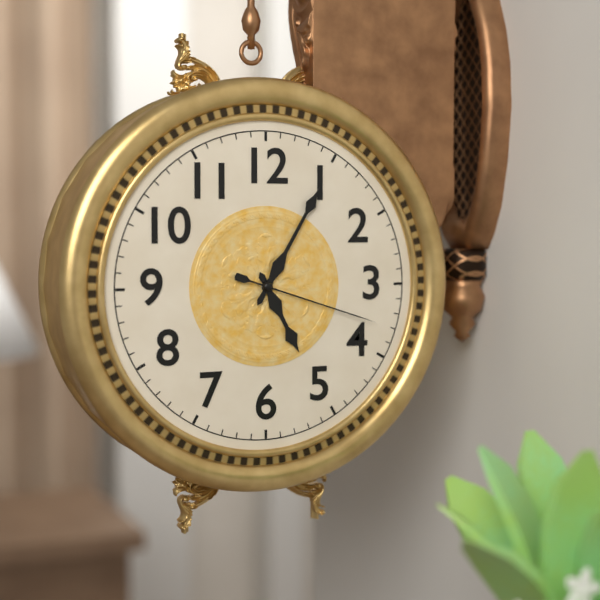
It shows {"hour": 5, "minute": 5, "second": 18}
